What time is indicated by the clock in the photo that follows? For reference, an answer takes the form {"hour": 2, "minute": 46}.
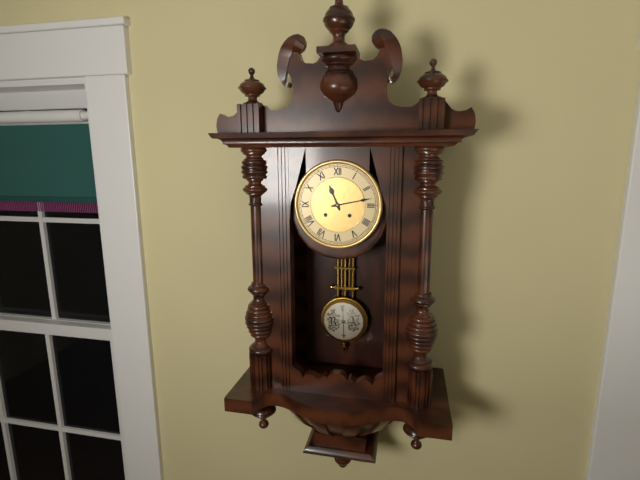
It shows {"hour": 11, "minute": 13}
